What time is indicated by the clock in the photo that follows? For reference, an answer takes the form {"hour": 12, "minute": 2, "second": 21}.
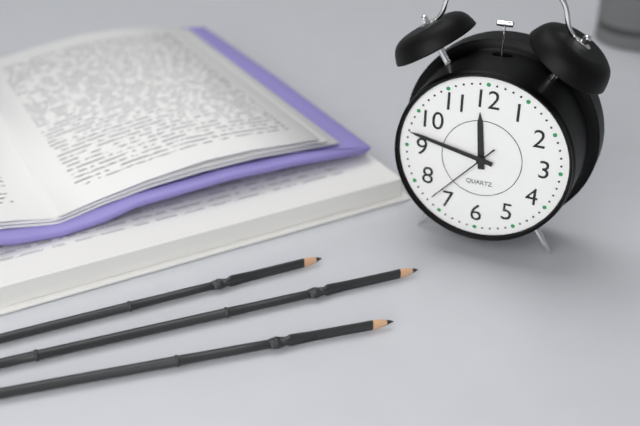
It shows {"hour": 11, "minute": 47, "second": 37}
